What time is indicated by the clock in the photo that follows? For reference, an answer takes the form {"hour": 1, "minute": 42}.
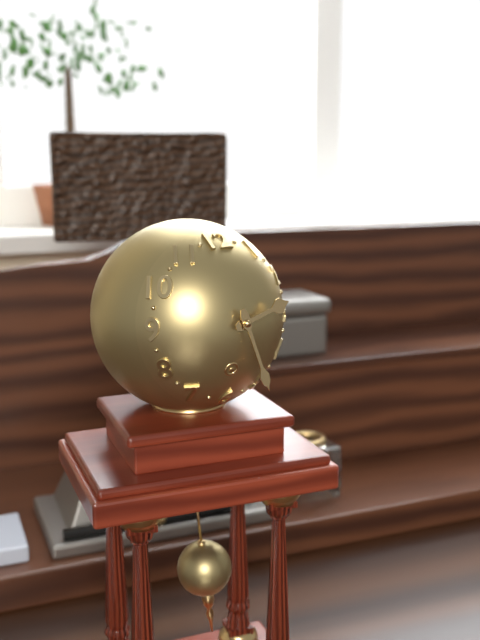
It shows {"hour": 2, "minute": 27}
